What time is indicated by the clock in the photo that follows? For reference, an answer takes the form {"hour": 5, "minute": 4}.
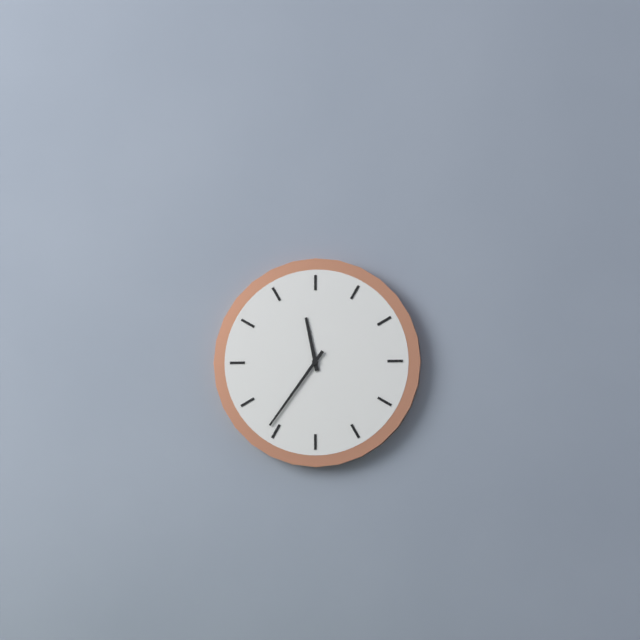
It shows {"hour": 11, "minute": 36}
